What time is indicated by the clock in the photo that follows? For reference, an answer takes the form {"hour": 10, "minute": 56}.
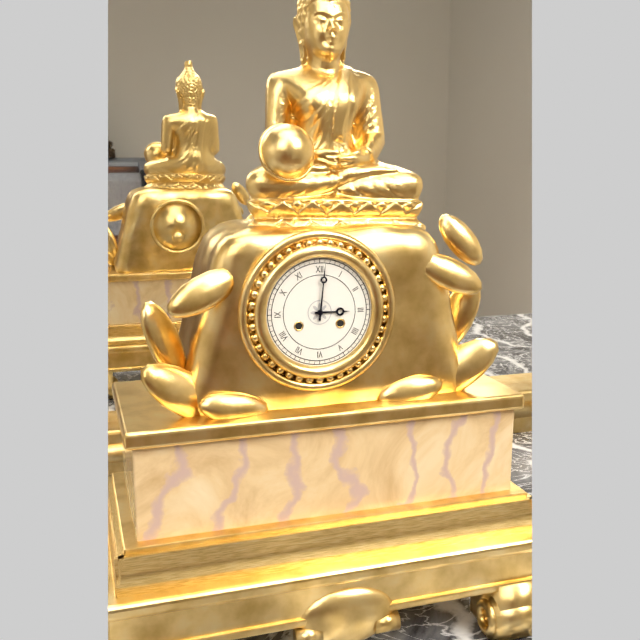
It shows {"hour": 3, "minute": 1}
